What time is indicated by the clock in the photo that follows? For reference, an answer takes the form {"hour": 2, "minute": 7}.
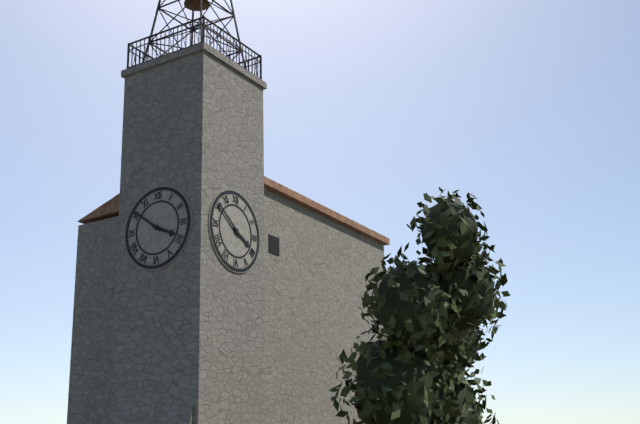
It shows {"hour": 3, "minute": 51}
